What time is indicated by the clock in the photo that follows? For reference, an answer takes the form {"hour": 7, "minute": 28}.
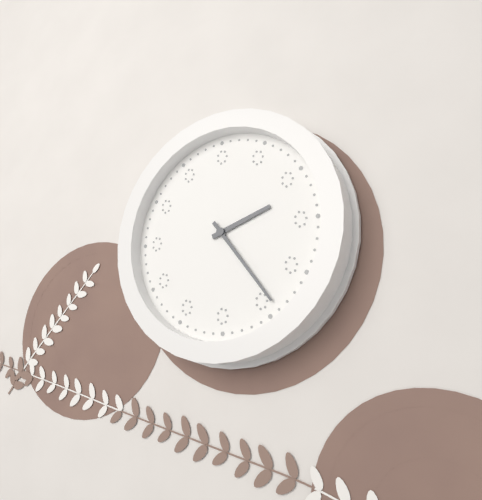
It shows {"hour": 2, "minute": 24}
